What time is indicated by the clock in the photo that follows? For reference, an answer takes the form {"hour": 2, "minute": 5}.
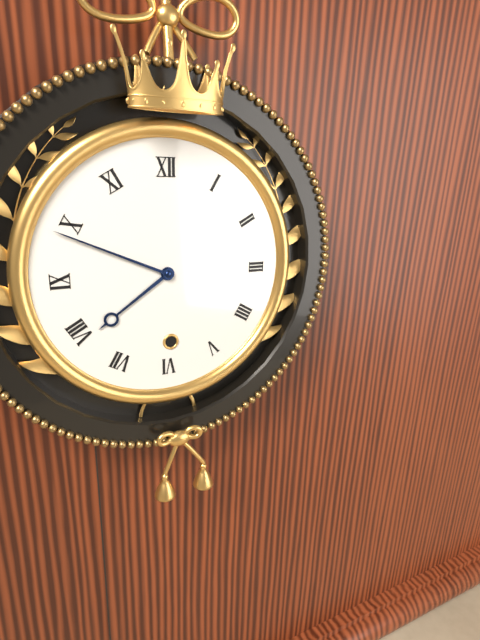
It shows {"hour": 7, "minute": 49}
